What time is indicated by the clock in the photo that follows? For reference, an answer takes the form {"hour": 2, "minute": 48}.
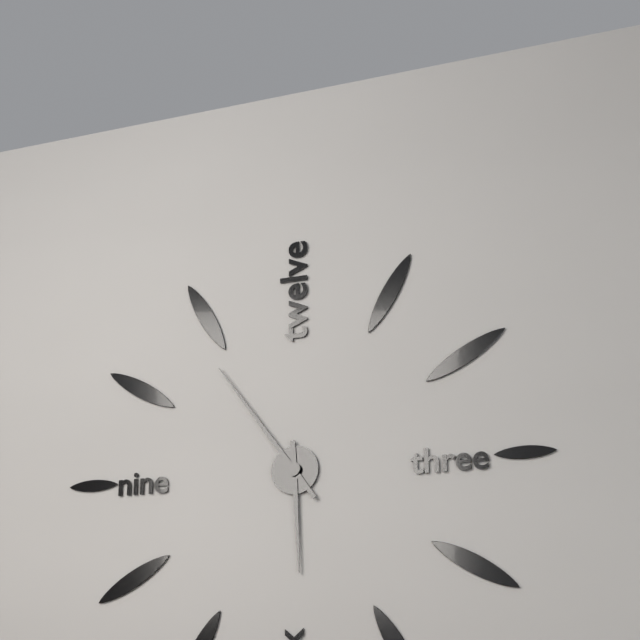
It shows {"hour": 5, "minute": 54}
